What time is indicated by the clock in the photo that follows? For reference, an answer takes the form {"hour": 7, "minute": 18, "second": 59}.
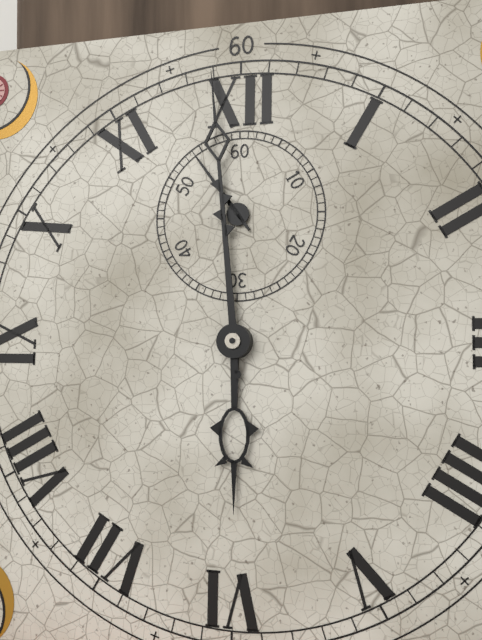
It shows {"hour": 5, "minute": 59, "second": 54}
